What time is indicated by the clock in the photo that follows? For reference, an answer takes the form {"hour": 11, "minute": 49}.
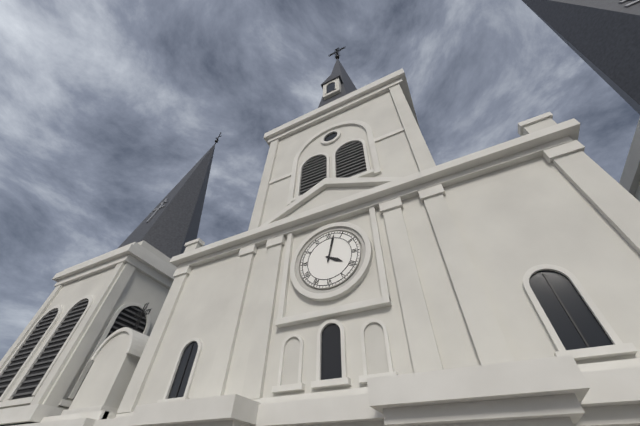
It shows {"hour": 4, "minute": 2}
